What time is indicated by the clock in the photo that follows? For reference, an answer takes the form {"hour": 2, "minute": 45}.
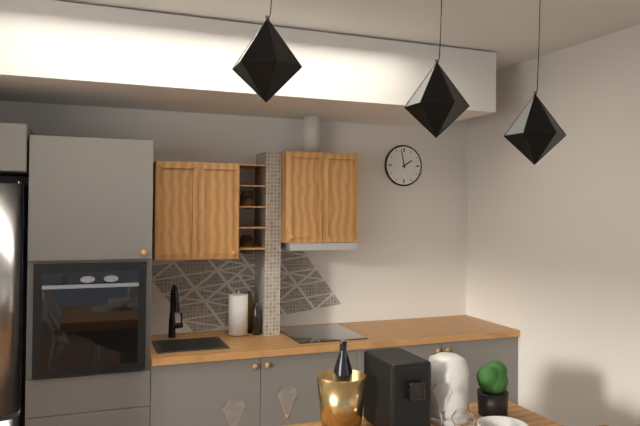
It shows {"hour": 1, "minute": 58}
